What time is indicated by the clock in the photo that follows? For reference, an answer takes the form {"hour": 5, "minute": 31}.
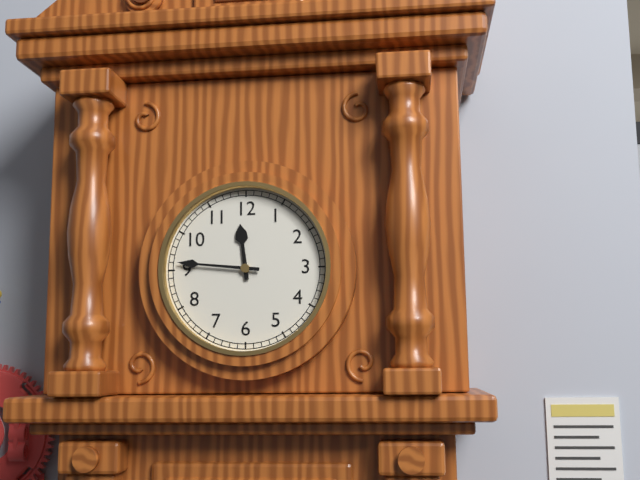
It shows {"hour": 11, "minute": 46}
